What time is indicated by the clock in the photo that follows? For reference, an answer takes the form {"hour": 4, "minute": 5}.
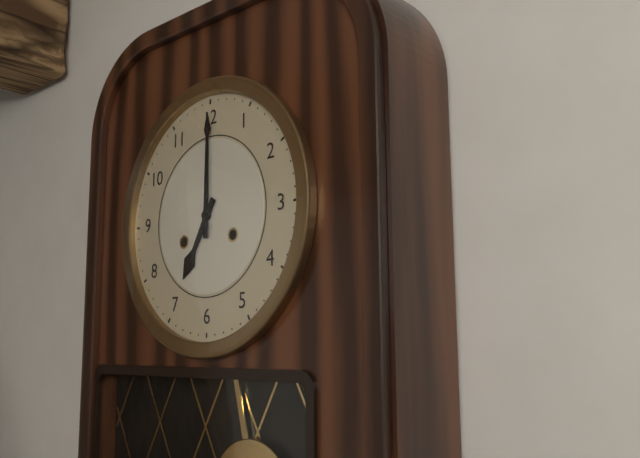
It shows {"hour": 7, "minute": 0}
